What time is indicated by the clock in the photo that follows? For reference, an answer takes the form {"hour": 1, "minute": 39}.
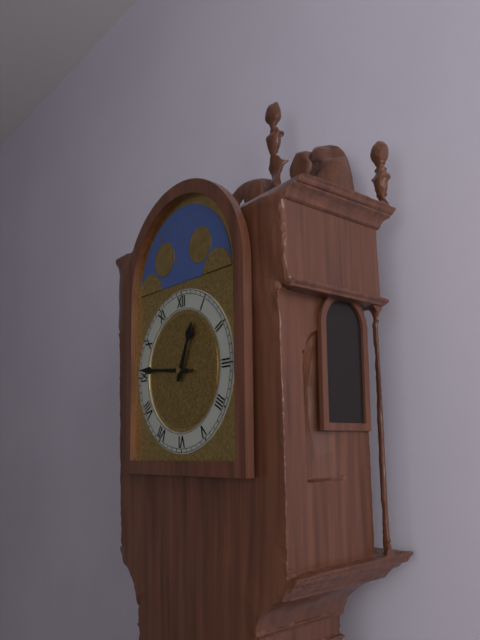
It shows {"hour": 12, "minute": 46}
